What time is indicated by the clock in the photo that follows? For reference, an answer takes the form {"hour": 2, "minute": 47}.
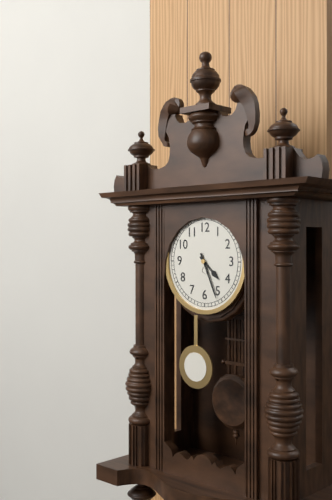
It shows {"hour": 4, "minute": 26}
